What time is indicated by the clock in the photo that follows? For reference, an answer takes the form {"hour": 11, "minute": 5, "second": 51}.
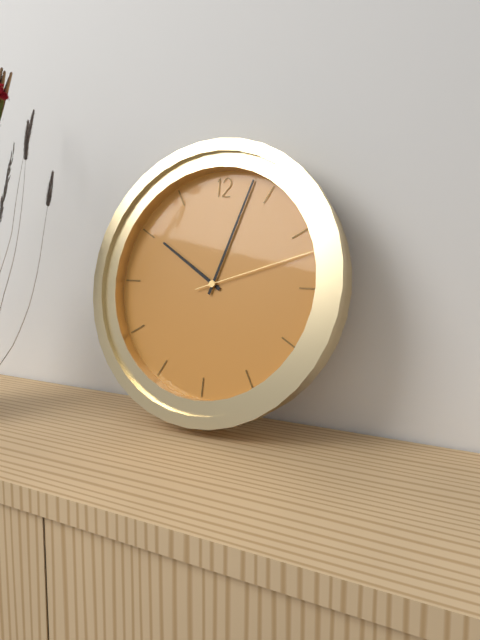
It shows {"hour": 10, "minute": 3, "second": 12}
